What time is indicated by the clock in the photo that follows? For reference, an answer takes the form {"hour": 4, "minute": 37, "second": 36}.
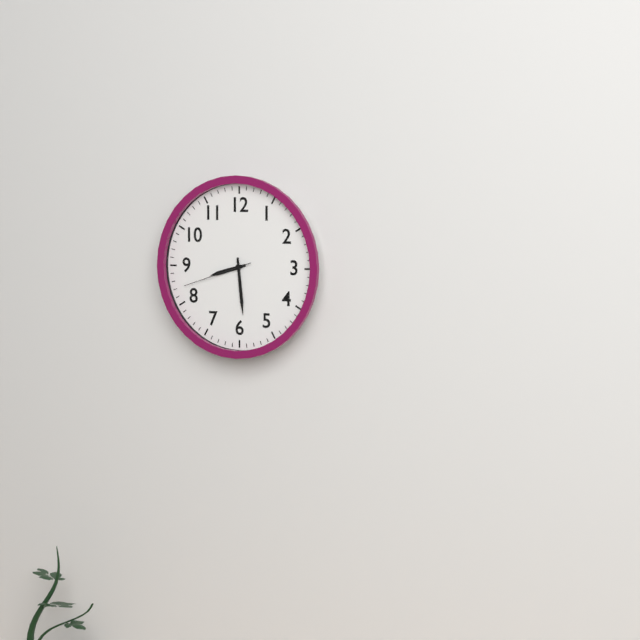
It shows {"hour": 8, "minute": 29, "second": 42}
